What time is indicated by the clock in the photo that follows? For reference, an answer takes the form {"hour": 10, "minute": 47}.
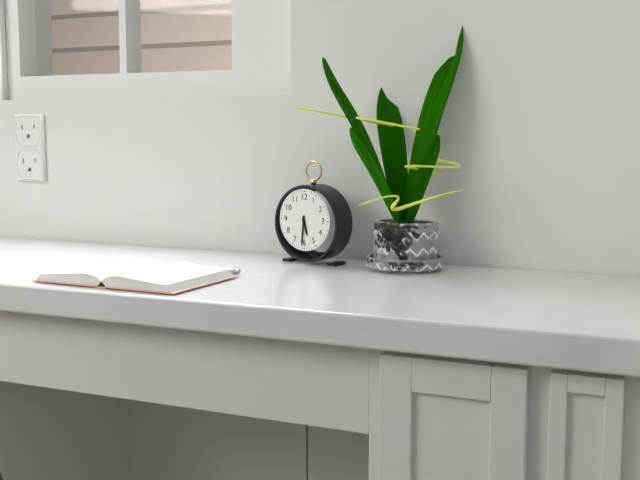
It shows {"hour": 5, "minute": 31}
